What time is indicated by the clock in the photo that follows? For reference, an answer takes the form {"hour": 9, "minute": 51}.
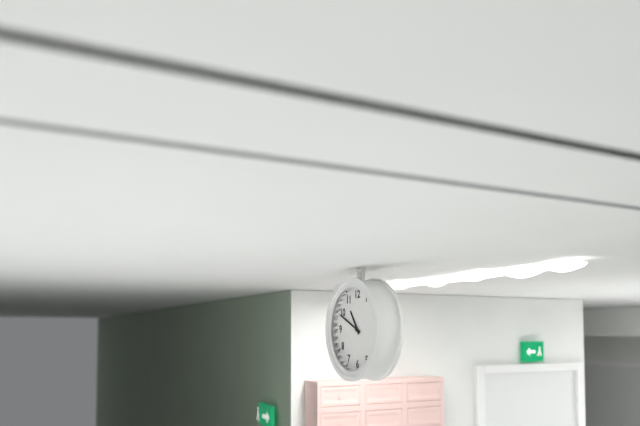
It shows {"hour": 10, "minute": 49}
